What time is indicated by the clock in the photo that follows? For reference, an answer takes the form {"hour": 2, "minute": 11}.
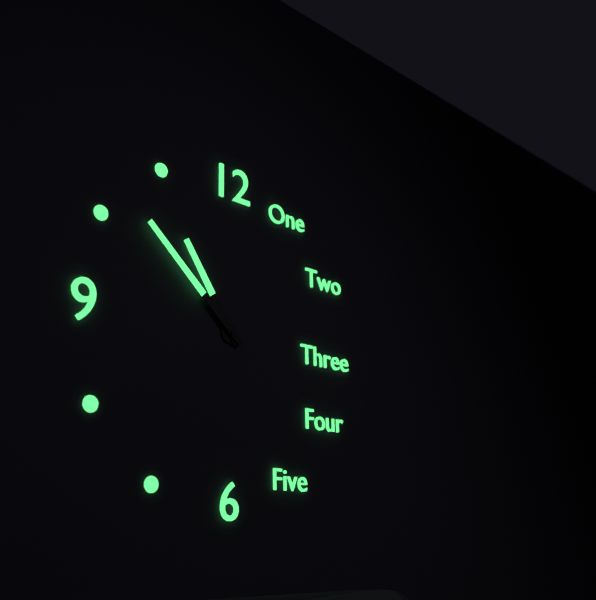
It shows {"hour": 10, "minute": 52}
